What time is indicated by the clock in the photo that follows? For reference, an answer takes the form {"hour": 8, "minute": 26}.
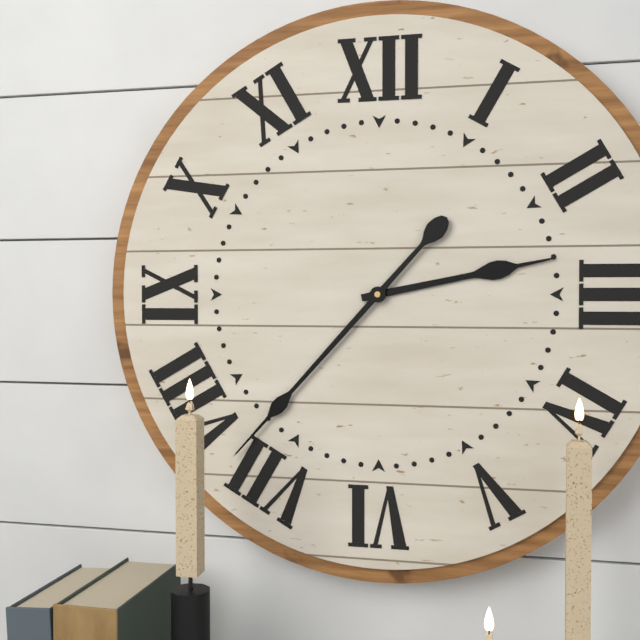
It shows {"hour": 2, "minute": 37}
